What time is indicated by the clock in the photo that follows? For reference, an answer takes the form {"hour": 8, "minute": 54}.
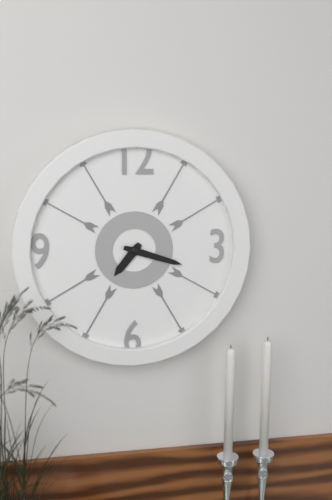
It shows {"hour": 7, "minute": 18}
